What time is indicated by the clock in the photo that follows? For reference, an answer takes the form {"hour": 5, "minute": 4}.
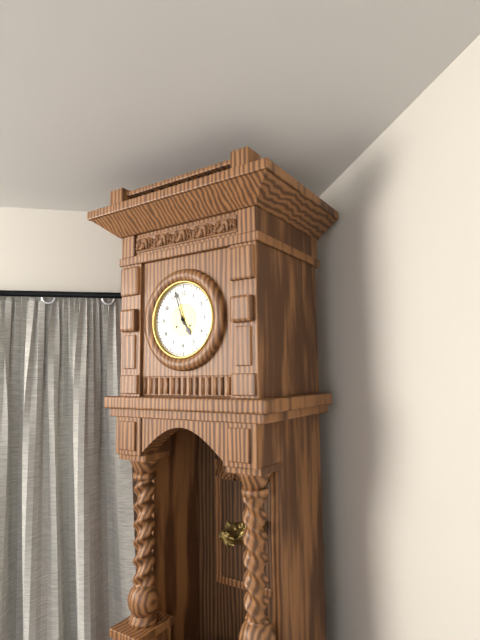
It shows {"hour": 4, "minute": 57}
